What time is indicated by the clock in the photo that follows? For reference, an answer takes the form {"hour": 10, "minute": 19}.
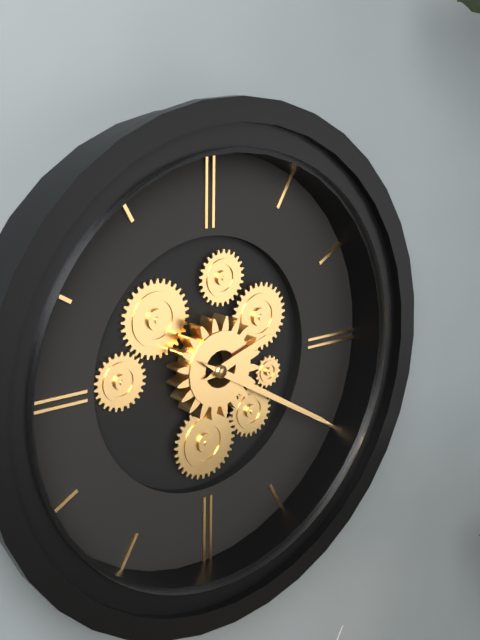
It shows {"hour": 2, "minute": 20}
